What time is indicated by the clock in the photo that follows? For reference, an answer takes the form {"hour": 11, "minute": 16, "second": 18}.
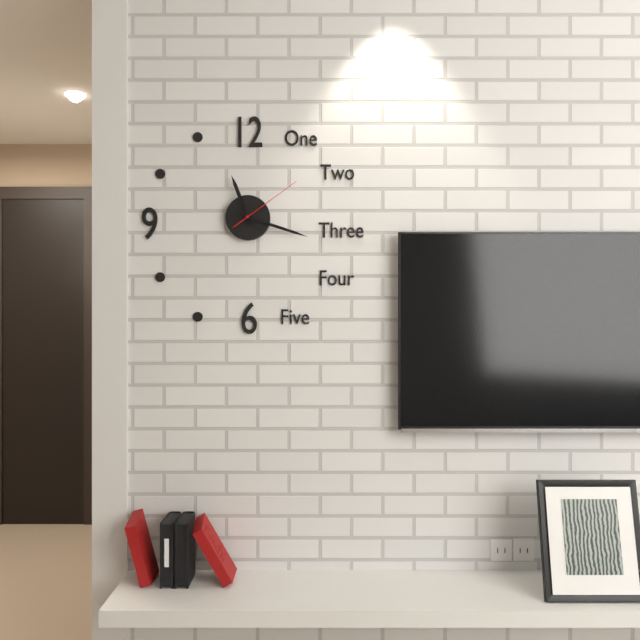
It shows {"hour": 11, "minute": 18, "second": 9}
